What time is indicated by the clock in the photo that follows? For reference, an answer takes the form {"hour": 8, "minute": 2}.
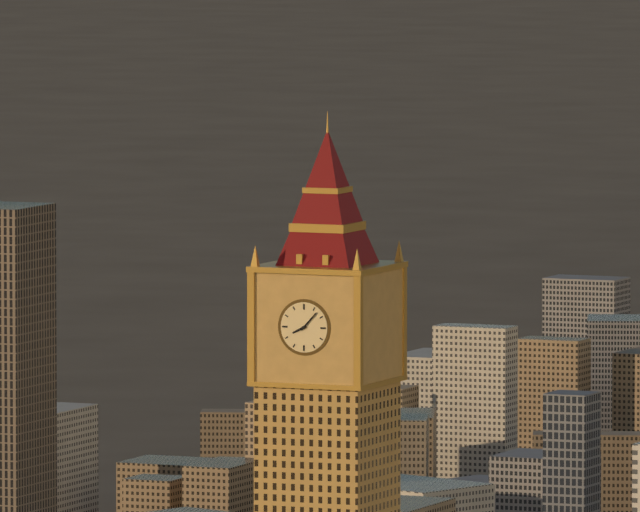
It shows {"hour": 8, "minute": 7}
